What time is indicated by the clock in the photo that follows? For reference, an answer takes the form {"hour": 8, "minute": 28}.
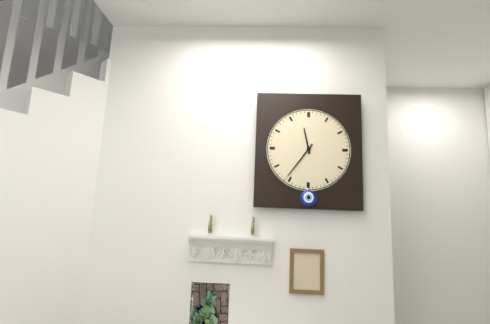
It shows {"hour": 11, "minute": 36}
